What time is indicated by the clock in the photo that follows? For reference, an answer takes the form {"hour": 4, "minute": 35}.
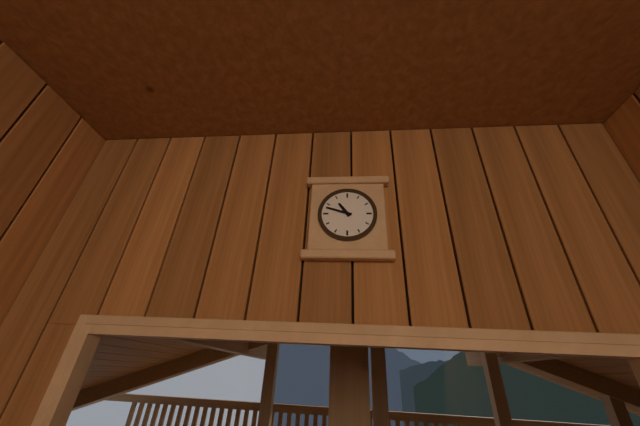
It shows {"hour": 10, "minute": 48}
